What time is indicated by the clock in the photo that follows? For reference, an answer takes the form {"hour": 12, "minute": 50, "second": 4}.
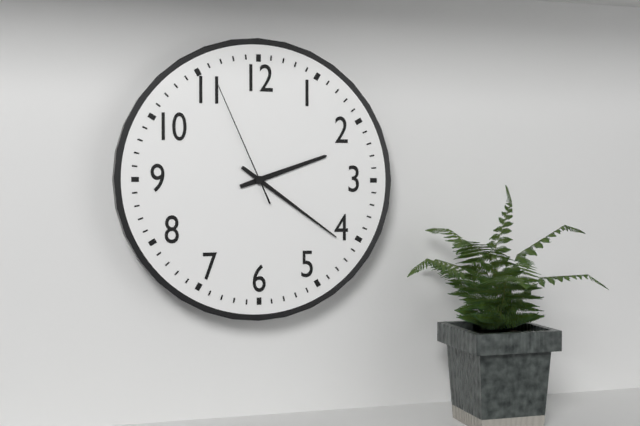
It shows {"hour": 2, "minute": 21, "second": 56}
